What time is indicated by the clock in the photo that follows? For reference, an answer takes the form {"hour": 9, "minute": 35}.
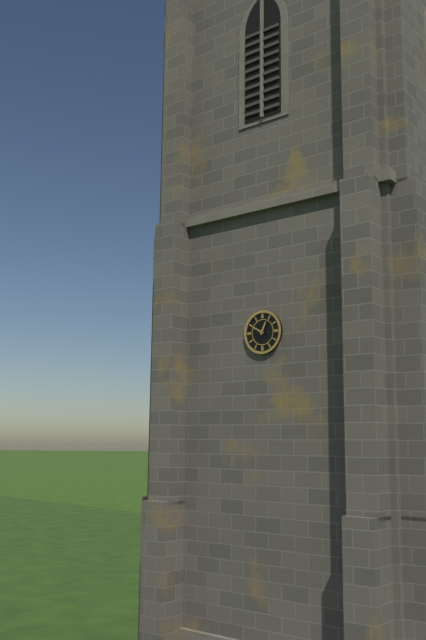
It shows {"hour": 12, "minute": 50}
